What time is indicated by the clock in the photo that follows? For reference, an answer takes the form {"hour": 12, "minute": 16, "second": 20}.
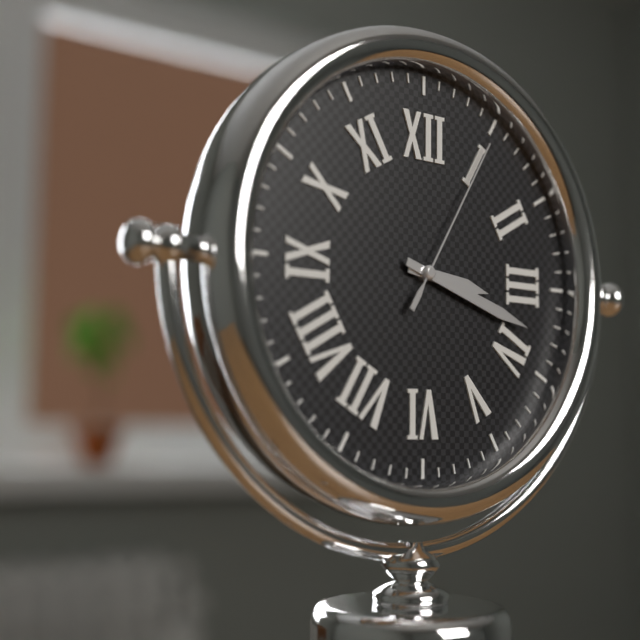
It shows {"hour": 3, "minute": 18, "second": 5}
